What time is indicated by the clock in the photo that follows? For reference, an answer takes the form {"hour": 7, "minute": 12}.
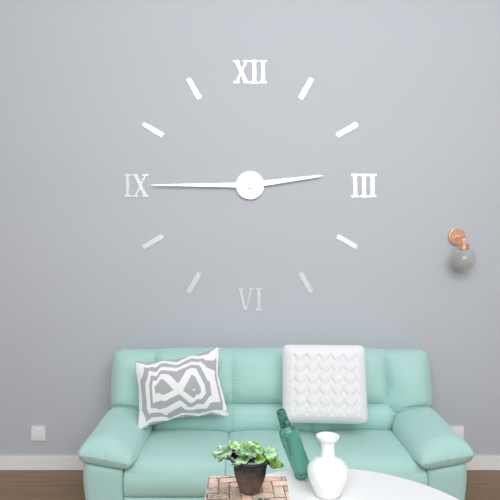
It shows {"hour": 2, "minute": 45}
